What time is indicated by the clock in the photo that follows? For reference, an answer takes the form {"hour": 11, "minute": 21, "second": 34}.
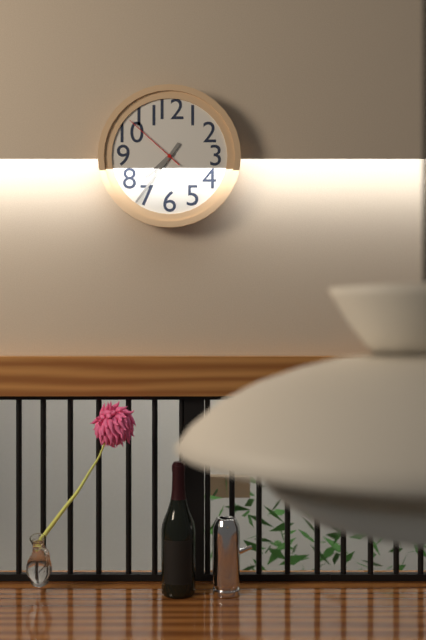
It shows {"hour": 7, "minute": 36, "second": 52}
